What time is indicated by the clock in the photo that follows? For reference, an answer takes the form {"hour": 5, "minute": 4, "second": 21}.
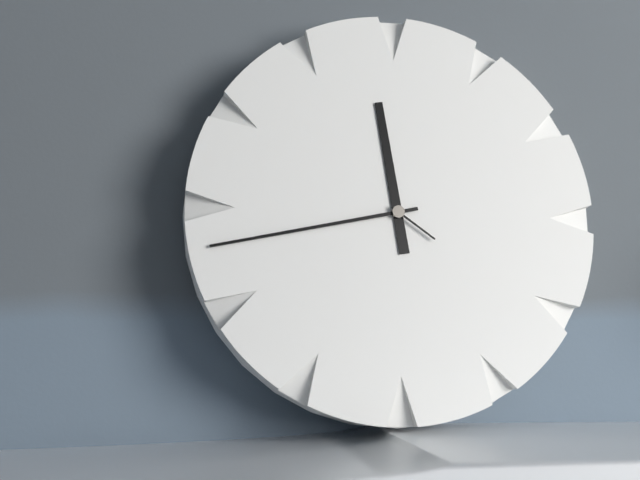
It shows {"hour": 11, "minute": 43, "second": 21}
